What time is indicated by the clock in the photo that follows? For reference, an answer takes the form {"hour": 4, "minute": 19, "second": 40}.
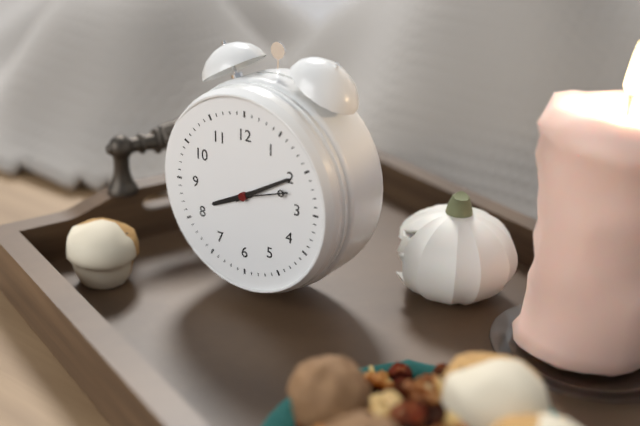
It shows {"hour": 8, "minute": 10, "second": 12}
